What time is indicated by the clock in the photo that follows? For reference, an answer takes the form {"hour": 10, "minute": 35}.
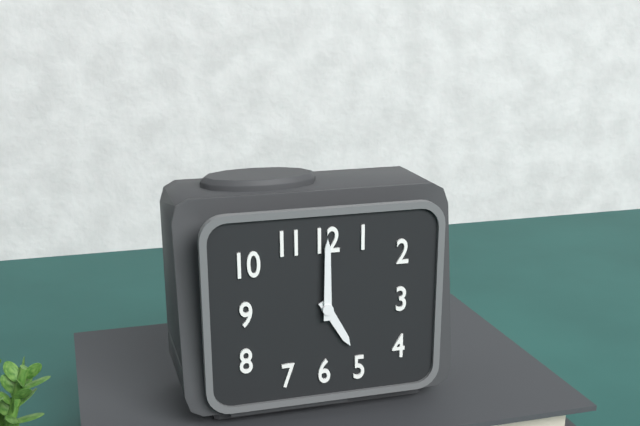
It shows {"hour": 5, "minute": 0}
